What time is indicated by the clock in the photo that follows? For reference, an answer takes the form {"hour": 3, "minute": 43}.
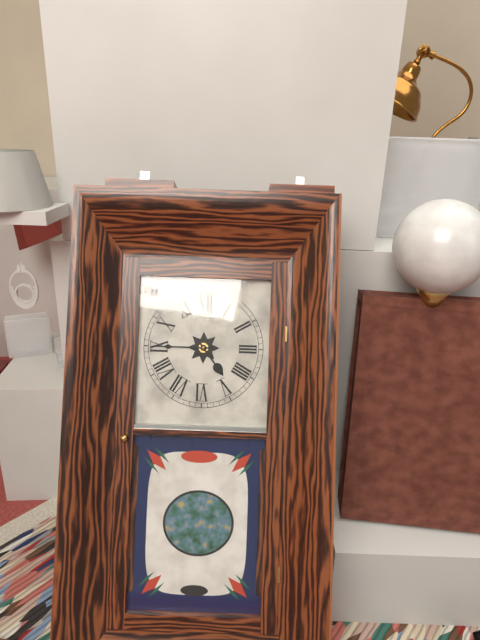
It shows {"hour": 4, "minute": 45}
